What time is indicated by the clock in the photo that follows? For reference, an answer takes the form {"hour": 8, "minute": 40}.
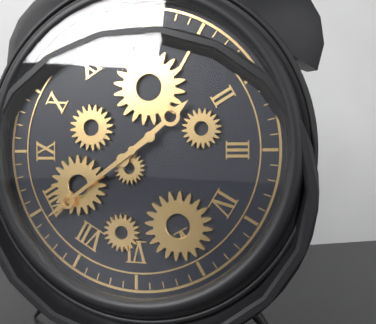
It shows {"hour": 1, "minute": 39}
